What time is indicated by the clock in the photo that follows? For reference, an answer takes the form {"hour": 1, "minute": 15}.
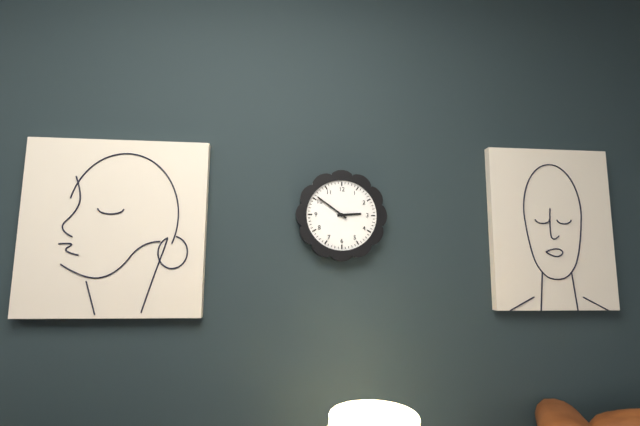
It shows {"hour": 2, "minute": 51}
